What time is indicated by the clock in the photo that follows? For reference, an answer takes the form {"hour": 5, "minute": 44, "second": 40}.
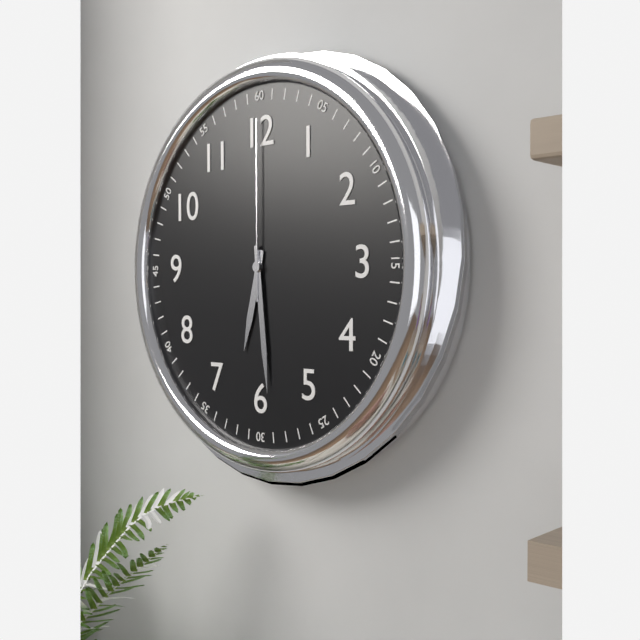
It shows {"hour": 6, "minute": 29, "second": 0}
